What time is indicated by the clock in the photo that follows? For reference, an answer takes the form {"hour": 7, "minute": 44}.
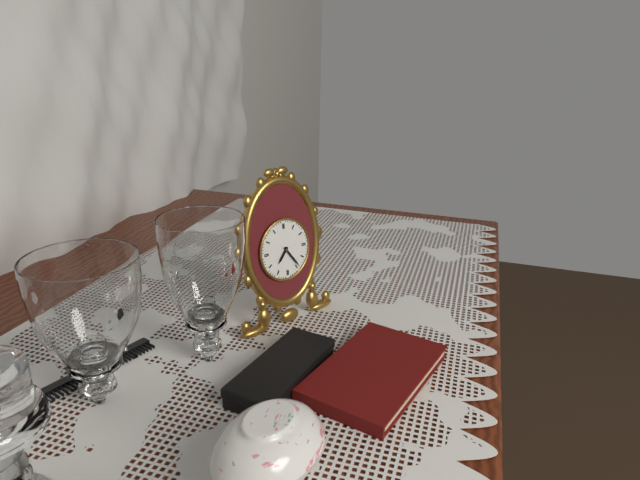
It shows {"hour": 7, "minute": 24}
